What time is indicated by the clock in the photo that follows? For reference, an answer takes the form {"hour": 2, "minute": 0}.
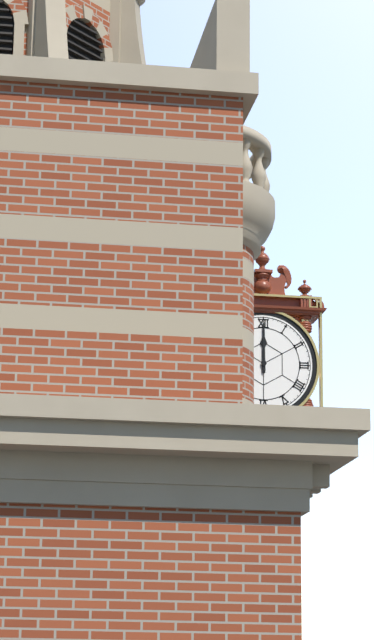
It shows {"hour": 12, "minute": 0}
